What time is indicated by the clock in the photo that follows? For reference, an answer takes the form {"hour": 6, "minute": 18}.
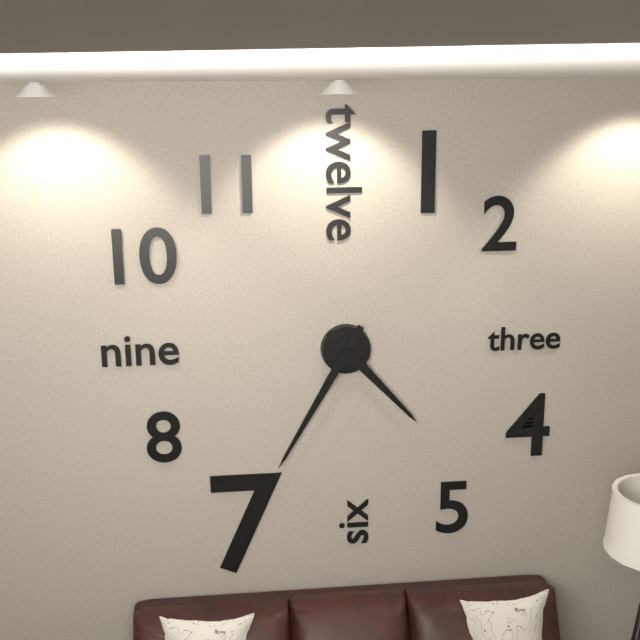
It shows {"hour": 4, "minute": 35}
